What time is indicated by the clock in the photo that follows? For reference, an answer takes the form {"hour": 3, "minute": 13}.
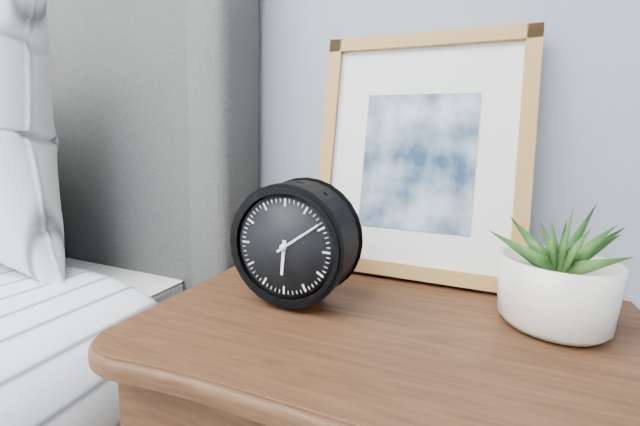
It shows {"hour": 6, "minute": 9}
